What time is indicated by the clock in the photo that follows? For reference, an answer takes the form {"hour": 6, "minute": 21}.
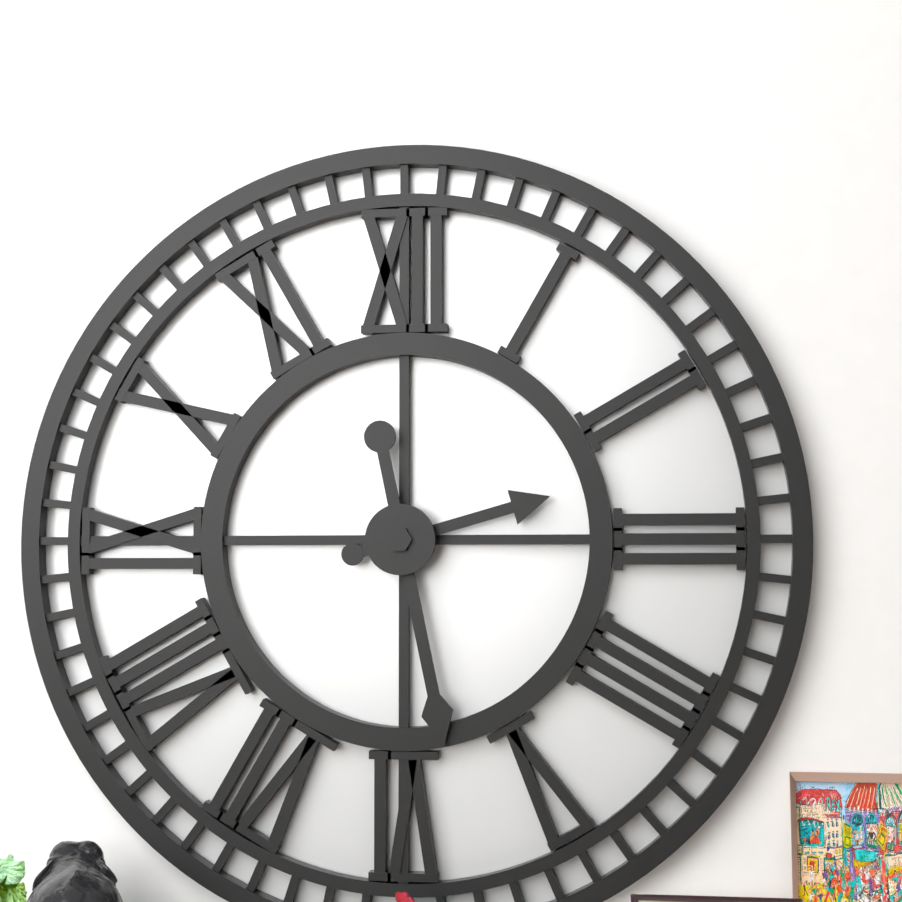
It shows {"hour": 2, "minute": 28}
